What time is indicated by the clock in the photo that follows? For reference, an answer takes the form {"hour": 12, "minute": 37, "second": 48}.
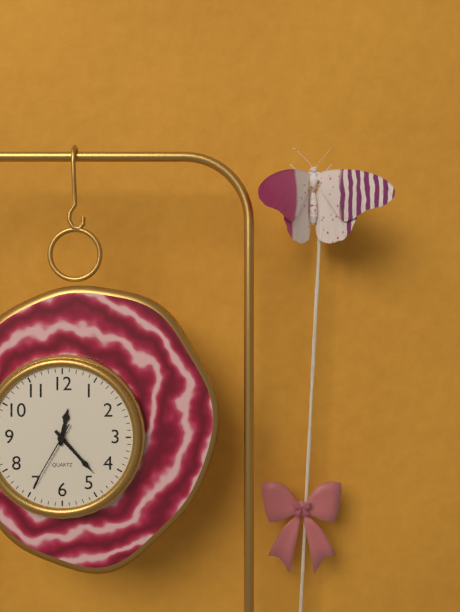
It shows {"hour": 12, "minute": 23, "second": 35}
